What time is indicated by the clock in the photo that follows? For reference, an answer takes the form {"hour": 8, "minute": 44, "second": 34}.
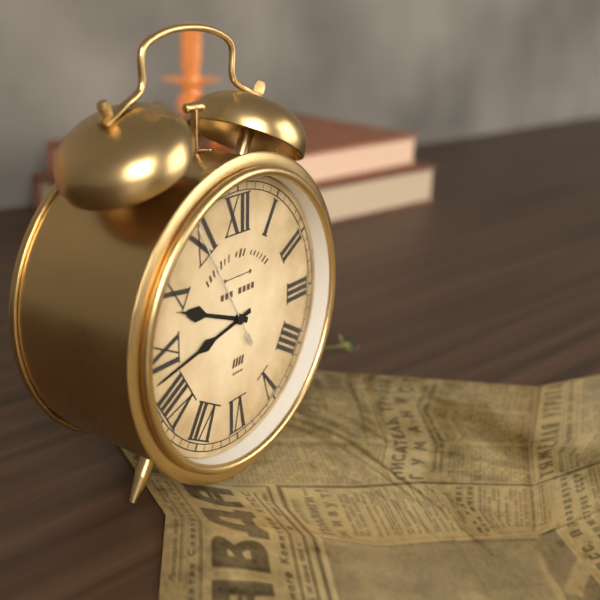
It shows {"hour": 9, "minute": 43, "second": 55}
